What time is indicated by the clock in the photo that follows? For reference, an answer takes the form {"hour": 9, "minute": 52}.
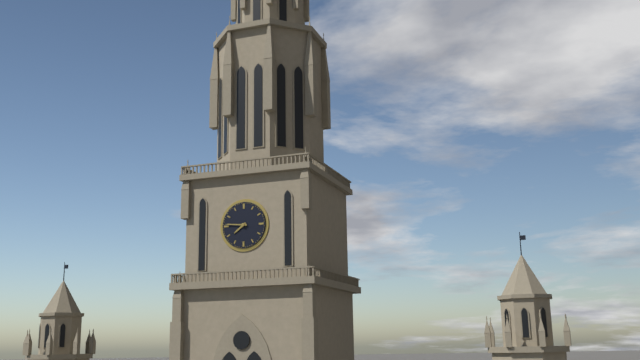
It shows {"hour": 7, "minute": 46}
